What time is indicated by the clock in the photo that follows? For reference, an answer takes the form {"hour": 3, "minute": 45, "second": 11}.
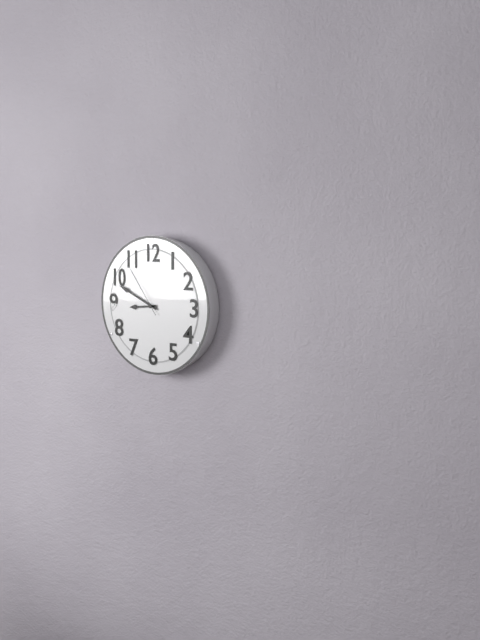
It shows {"hour": 8, "minute": 49, "second": 54}
